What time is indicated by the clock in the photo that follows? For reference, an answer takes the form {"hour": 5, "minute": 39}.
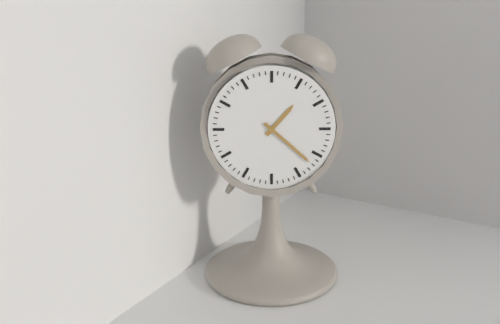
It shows {"hour": 1, "minute": 22}
